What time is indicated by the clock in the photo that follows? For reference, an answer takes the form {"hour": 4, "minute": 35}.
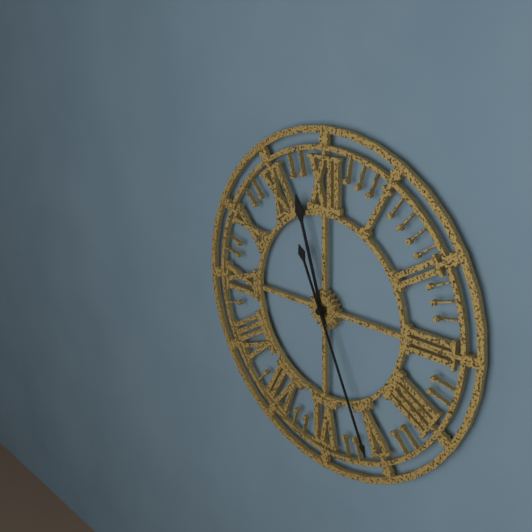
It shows {"hour": 11, "minute": 26}
